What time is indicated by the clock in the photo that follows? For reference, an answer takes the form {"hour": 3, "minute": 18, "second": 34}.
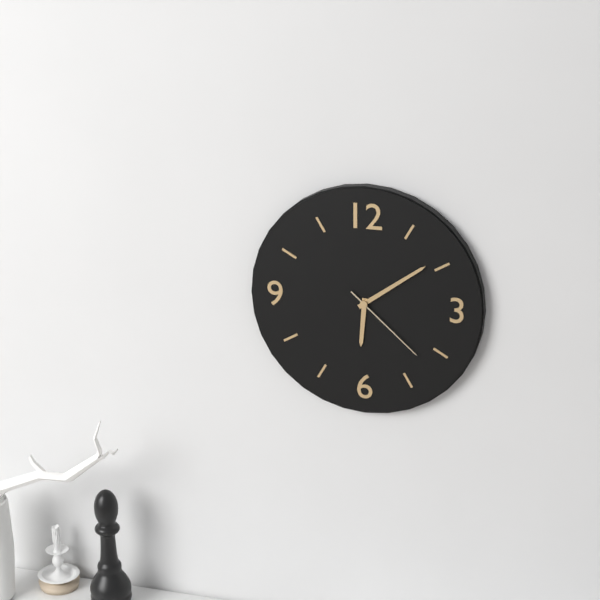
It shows {"hour": 6, "minute": 9, "second": 22}
